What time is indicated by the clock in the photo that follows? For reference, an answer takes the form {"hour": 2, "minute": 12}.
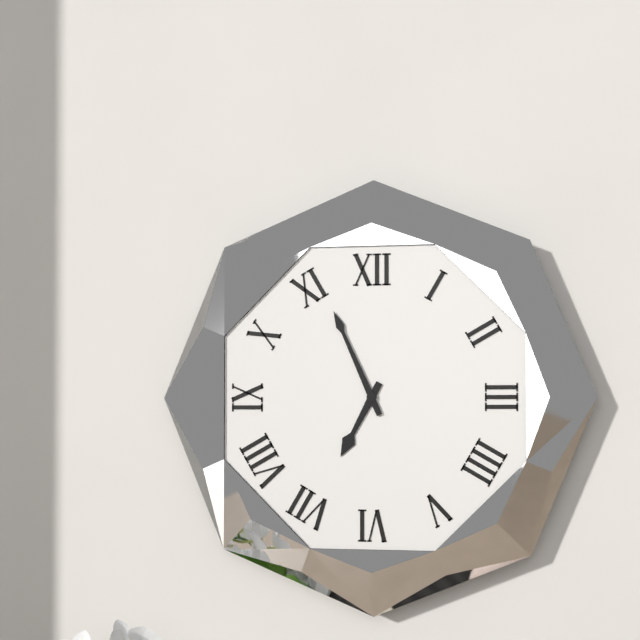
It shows {"hour": 6, "minute": 56}
